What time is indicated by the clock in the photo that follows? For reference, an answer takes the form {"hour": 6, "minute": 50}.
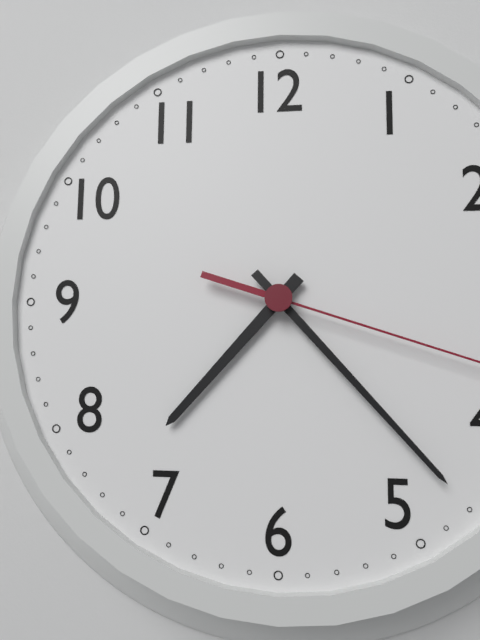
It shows {"hour": 7, "minute": 23}
